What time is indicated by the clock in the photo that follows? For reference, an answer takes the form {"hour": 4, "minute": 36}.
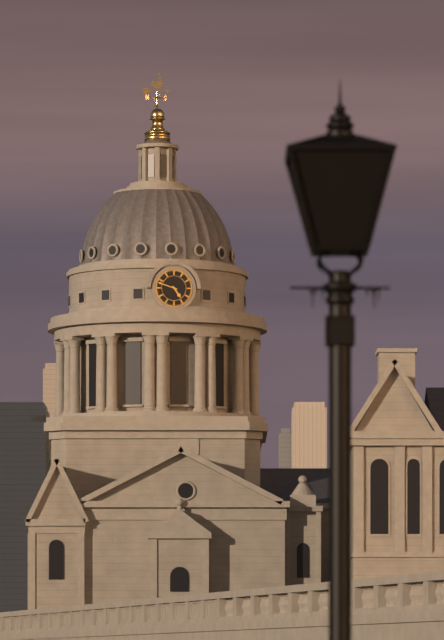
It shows {"hour": 4, "minute": 48}
